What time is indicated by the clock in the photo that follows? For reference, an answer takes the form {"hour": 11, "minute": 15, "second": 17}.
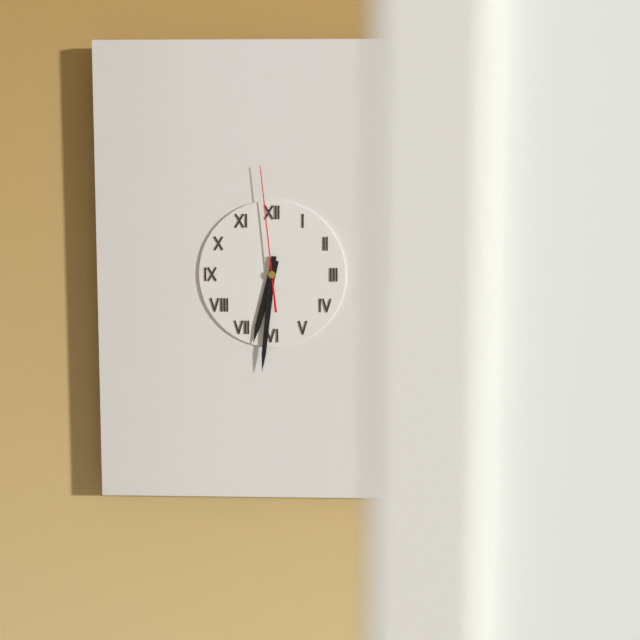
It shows {"hour": 6, "minute": 31, "second": 59}
